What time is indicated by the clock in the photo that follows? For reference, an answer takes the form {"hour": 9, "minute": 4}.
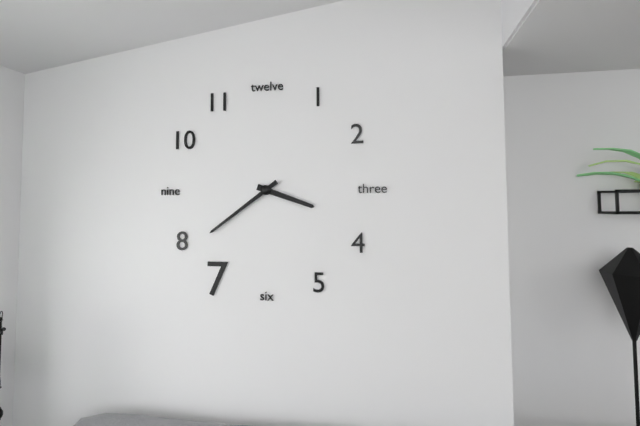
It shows {"hour": 3, "minute": 39}
